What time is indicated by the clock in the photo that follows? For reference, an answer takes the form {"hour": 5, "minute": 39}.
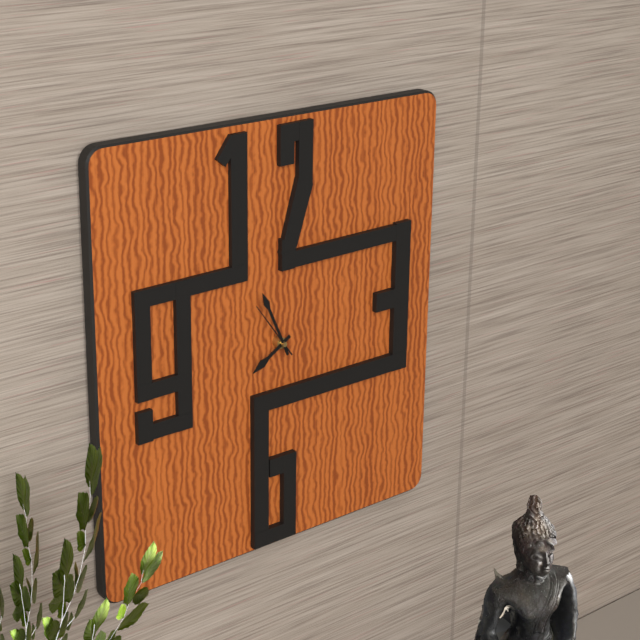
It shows {"hour": 7, "minute": 56}
